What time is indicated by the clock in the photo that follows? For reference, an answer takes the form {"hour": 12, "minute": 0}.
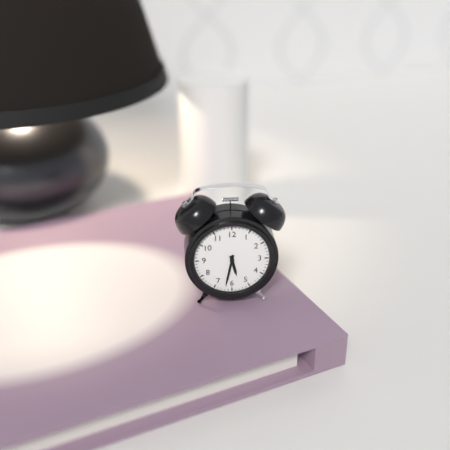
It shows {"hour": 5, "minute": 32}
